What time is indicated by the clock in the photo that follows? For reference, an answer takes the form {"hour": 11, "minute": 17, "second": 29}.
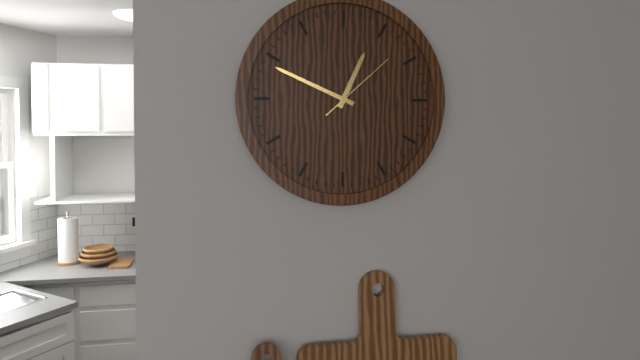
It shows {"hour": 12, "minute": 49, "second": 8}
